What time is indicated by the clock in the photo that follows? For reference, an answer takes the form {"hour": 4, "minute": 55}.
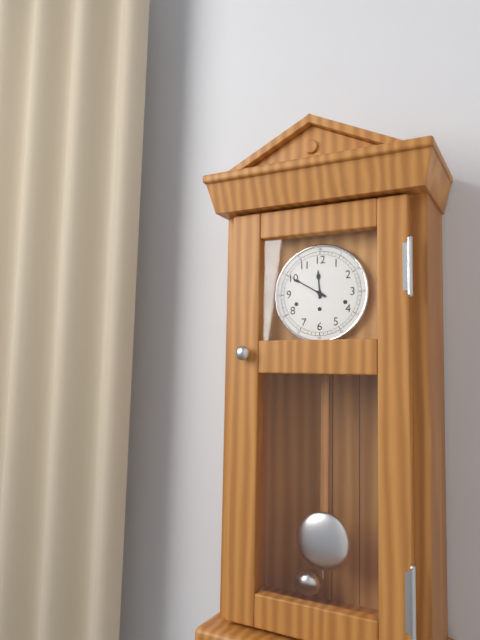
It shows {"hour": 11, "minute": 50}
